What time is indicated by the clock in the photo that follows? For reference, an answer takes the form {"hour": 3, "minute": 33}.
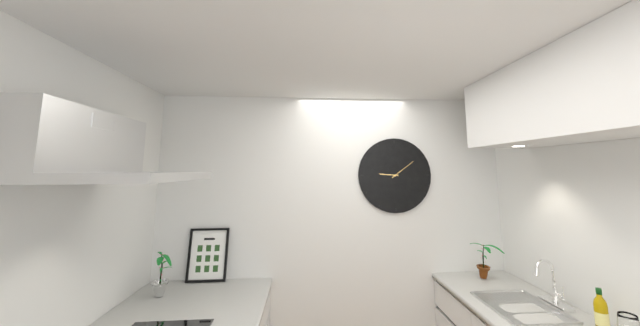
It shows {"hour": 9, "minute": 9}
